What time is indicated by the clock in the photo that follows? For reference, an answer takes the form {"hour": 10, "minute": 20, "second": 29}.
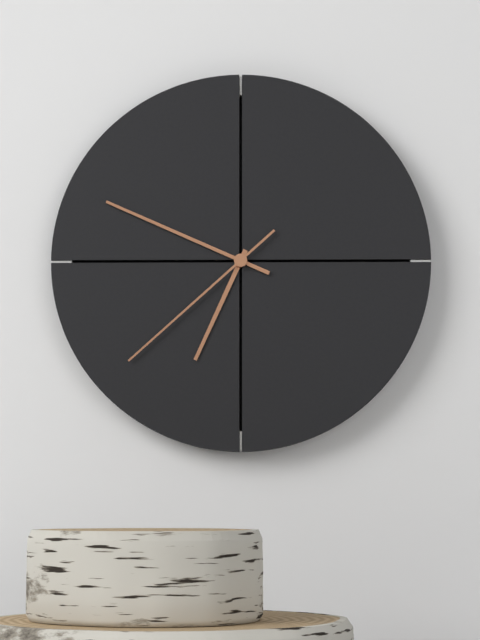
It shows {"hour": 6, "minute": 49, "second": 38}
